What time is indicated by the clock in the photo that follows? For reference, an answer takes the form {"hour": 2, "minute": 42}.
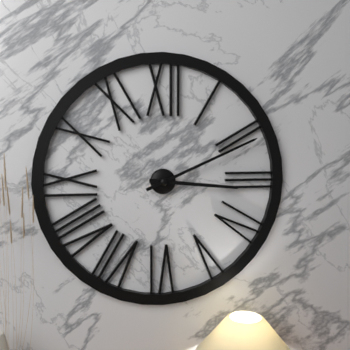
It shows {"hour": 3, "minute": 11}
